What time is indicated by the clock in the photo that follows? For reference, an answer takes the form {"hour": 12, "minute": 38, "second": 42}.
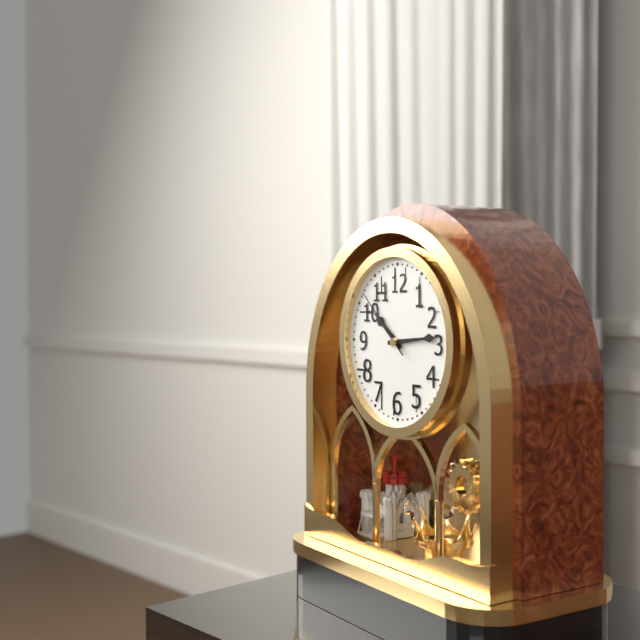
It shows {"hour": 10, "minute": 14, "second": 52}
